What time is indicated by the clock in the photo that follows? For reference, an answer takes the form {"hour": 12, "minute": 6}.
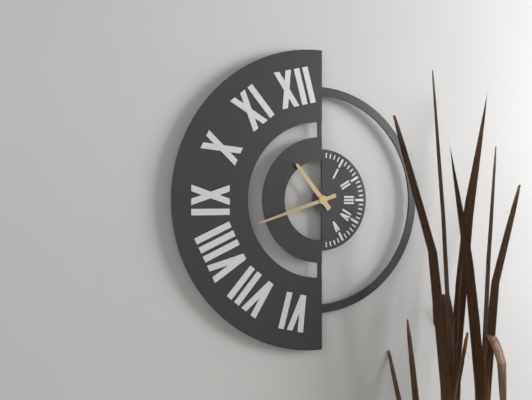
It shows {"hour": 10, "minute": 42}
